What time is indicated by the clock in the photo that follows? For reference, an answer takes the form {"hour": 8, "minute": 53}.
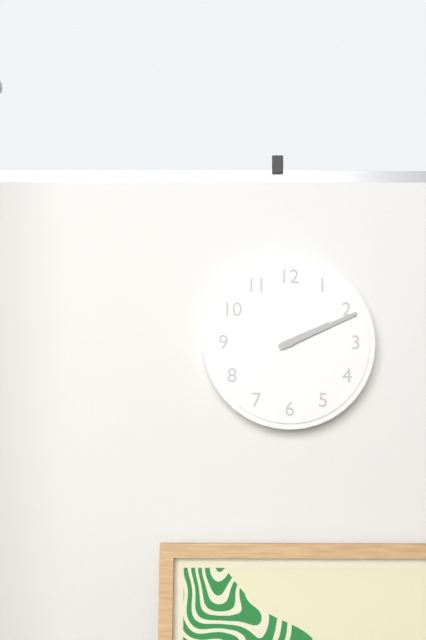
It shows {"hour": 2, "minute": 11}
